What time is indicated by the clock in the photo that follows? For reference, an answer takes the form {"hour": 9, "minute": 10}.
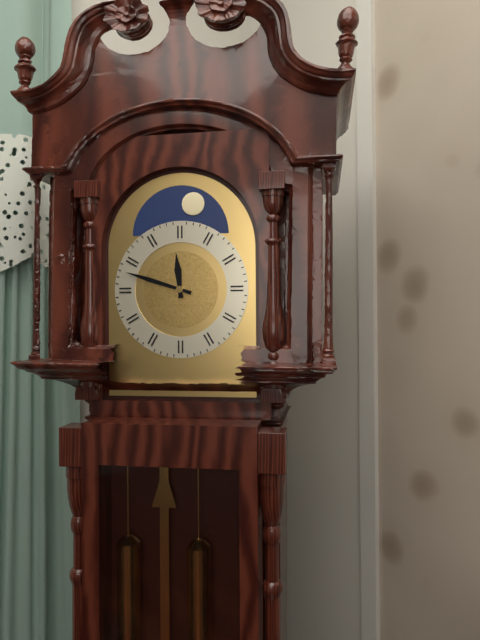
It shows {"hour": 11, "minute": 48}
